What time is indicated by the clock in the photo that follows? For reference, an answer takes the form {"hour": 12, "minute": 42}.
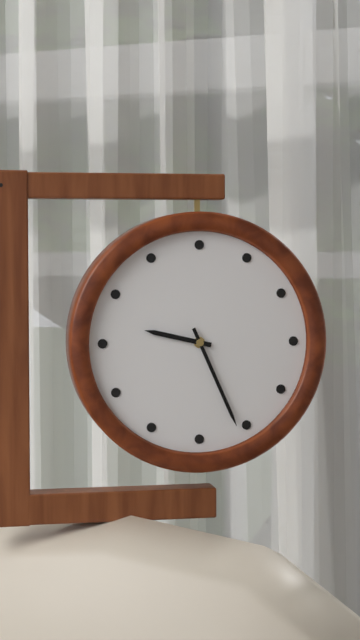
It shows {"hour": 9, "minute": 26}
